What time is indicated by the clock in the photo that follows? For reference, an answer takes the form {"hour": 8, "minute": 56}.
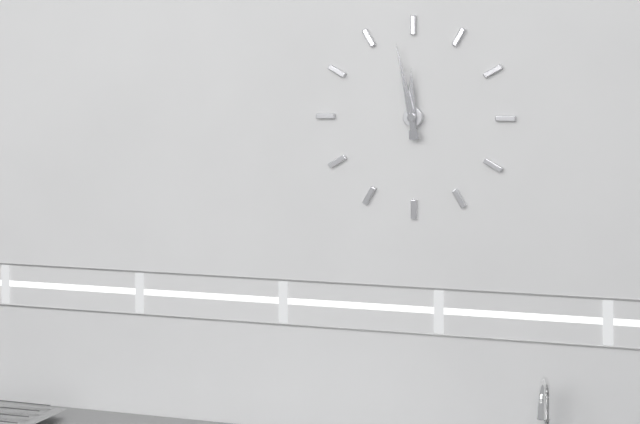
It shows {"hour": 11, "minute": 58}
